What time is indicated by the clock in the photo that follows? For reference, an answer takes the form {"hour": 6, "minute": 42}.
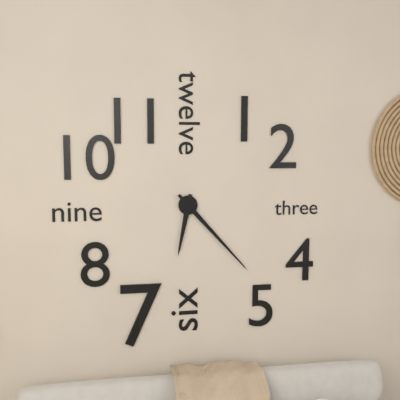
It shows {"hour": 6, "minute": 23}
